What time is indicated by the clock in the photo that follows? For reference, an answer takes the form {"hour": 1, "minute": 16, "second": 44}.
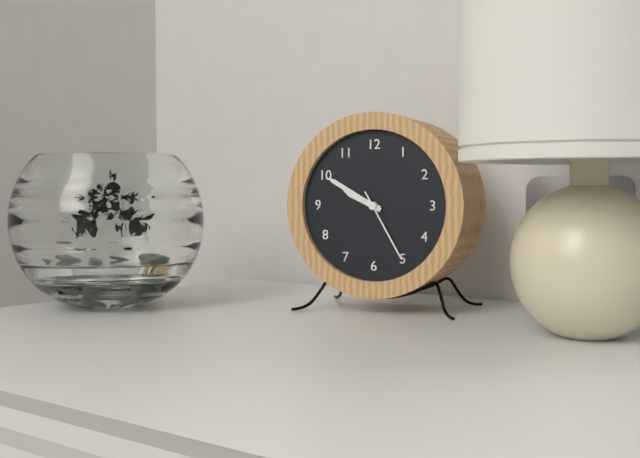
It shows {"hour": 9, "minute": 50, "second": 25}
